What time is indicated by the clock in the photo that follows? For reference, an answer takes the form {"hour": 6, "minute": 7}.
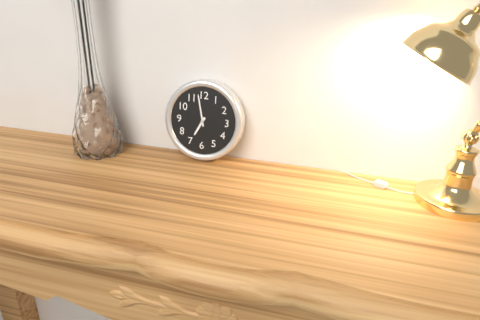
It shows {"hour": 6, "minute": 58}
